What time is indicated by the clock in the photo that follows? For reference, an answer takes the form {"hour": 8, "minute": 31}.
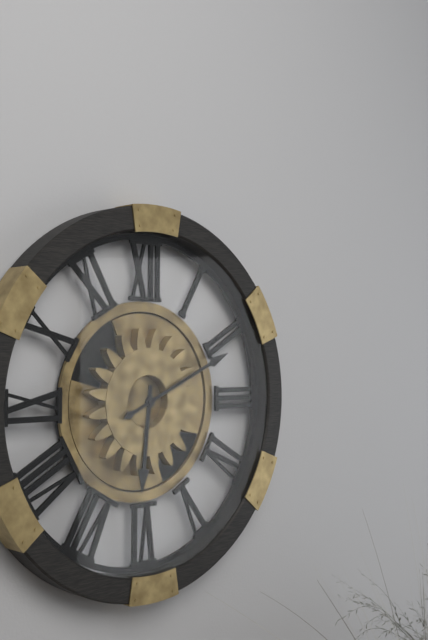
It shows {"hour": 6, "minute": 11}
